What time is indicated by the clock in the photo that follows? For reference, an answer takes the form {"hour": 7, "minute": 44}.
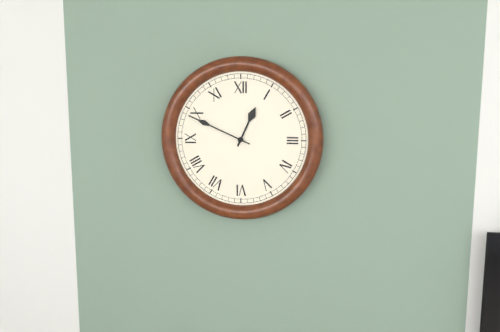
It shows {"hour": 12, "minute": 49}
